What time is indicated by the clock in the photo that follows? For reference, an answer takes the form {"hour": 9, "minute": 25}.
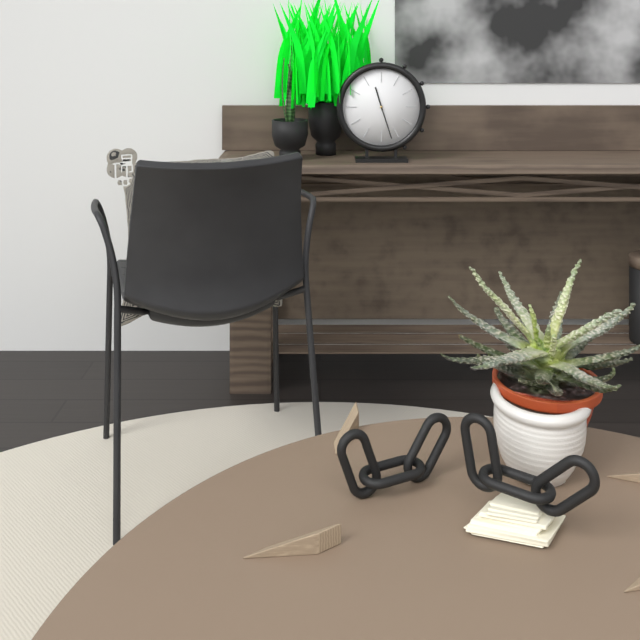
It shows {"hour": 11, "minute": 27}
